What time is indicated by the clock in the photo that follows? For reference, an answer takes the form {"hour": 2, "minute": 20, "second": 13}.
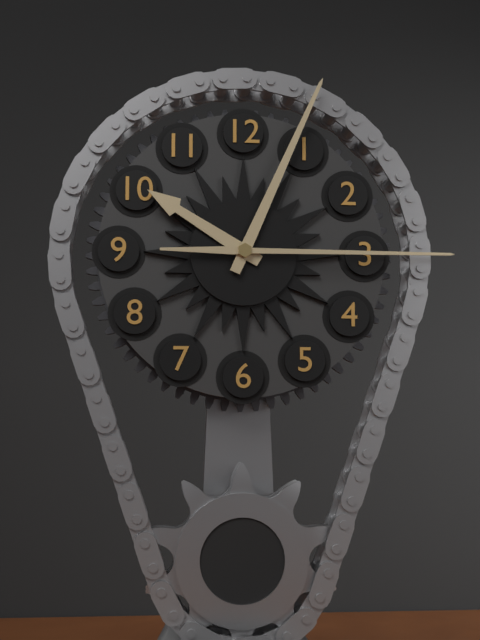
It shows {"hour": 10, "minute": 4, "second": 15}
